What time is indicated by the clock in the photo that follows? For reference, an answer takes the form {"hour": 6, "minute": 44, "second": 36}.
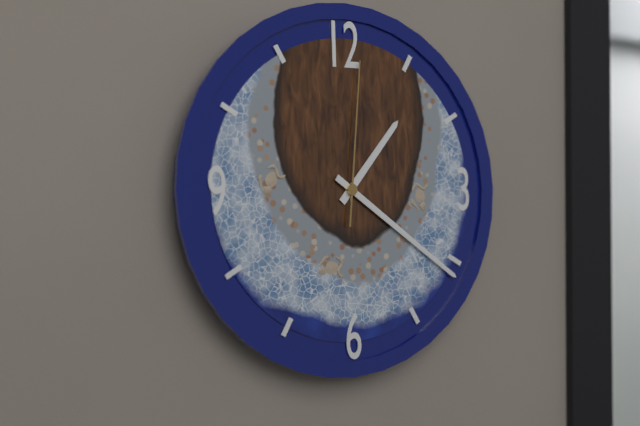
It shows {"hour": 1, "minute": 21, "second": 1}
